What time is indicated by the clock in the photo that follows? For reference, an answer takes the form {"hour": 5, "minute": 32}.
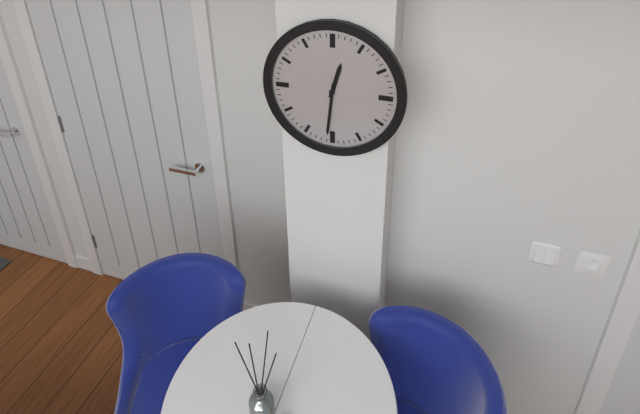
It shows {"hour": 12, "minute": 31}
